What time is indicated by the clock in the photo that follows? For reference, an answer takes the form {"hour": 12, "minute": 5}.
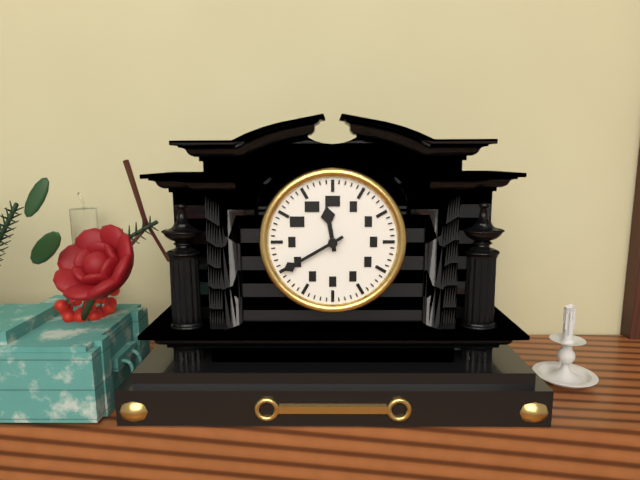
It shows {"hour": 11, "minute": 40}
